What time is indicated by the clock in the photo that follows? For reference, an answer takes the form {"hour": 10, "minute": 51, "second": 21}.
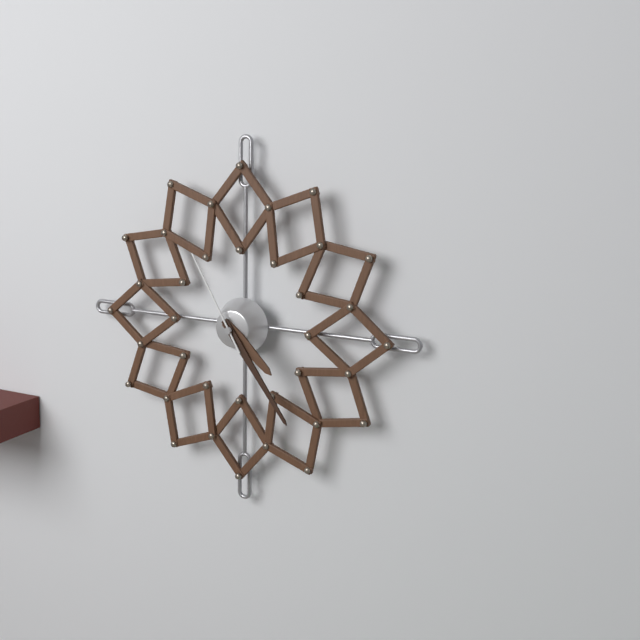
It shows {"hour": 4, "minute": 24, "second": 55}
